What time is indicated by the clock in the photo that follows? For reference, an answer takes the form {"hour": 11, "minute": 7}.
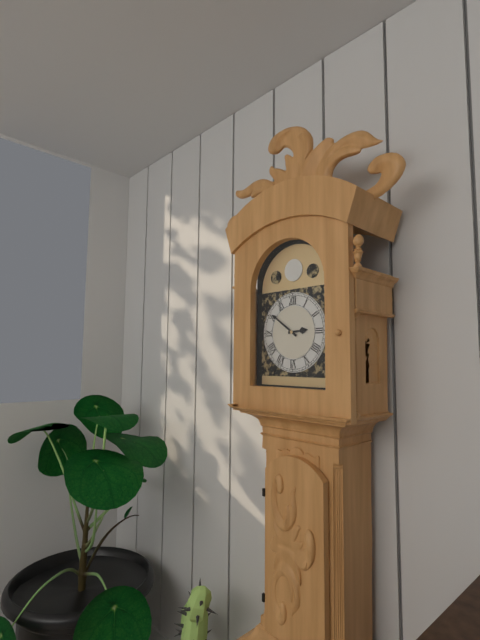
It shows {"hour": 2, "minute": 51}
